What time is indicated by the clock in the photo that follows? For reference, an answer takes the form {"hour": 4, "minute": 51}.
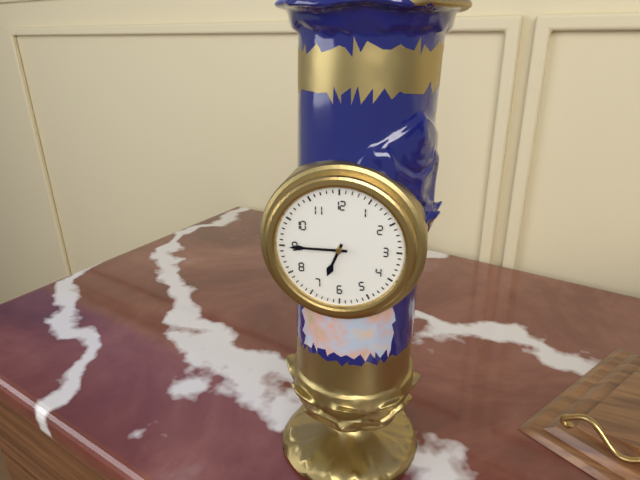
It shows {"hour": 6, "minute": 45}
